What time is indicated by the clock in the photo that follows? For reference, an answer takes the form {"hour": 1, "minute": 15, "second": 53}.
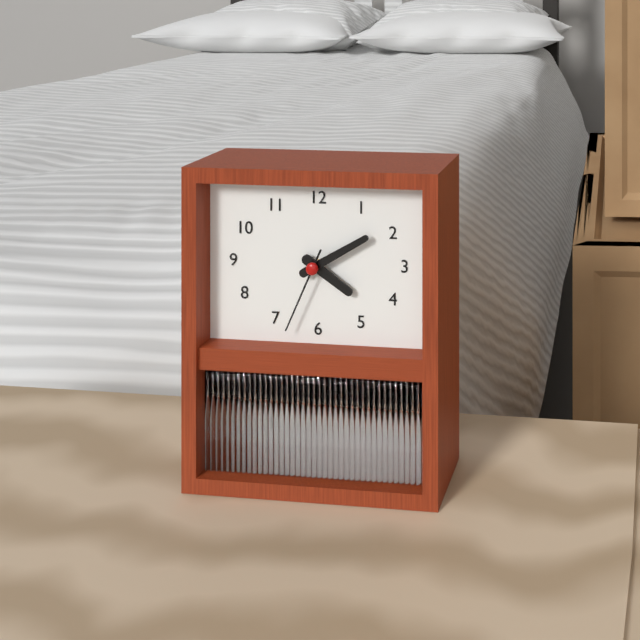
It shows {"hour": 4, "minute": 10, "second": 34}
